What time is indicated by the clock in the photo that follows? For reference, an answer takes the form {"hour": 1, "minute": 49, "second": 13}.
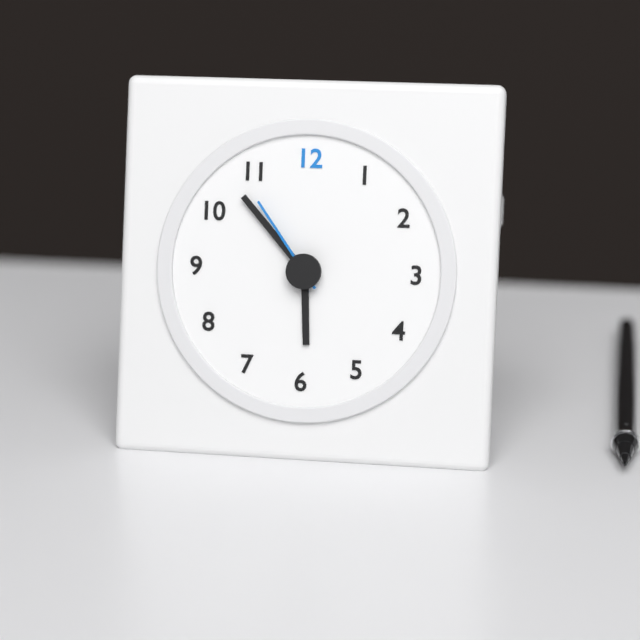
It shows {"hour": 5, "minute": 53, "second": 54}
